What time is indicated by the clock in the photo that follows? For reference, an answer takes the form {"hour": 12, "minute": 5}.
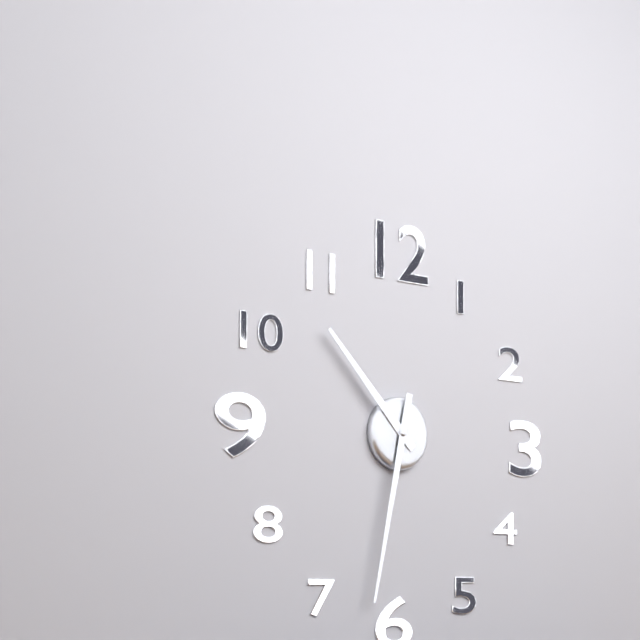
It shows {"hour": 10, "minute": 32}
